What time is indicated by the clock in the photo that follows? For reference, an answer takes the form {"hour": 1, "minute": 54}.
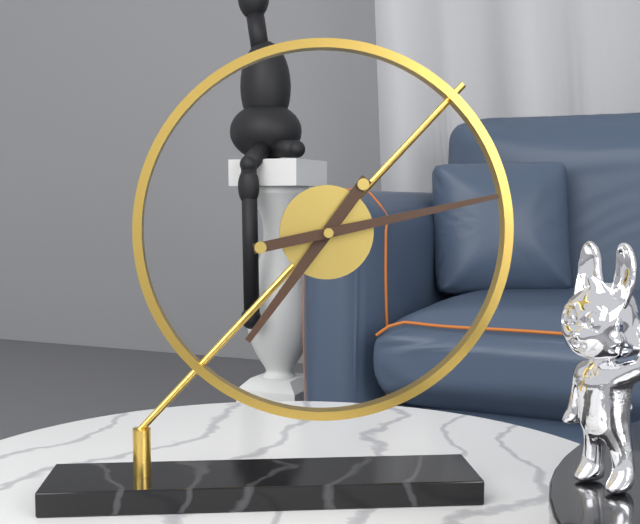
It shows {"hour": 7, "minute": 13}
